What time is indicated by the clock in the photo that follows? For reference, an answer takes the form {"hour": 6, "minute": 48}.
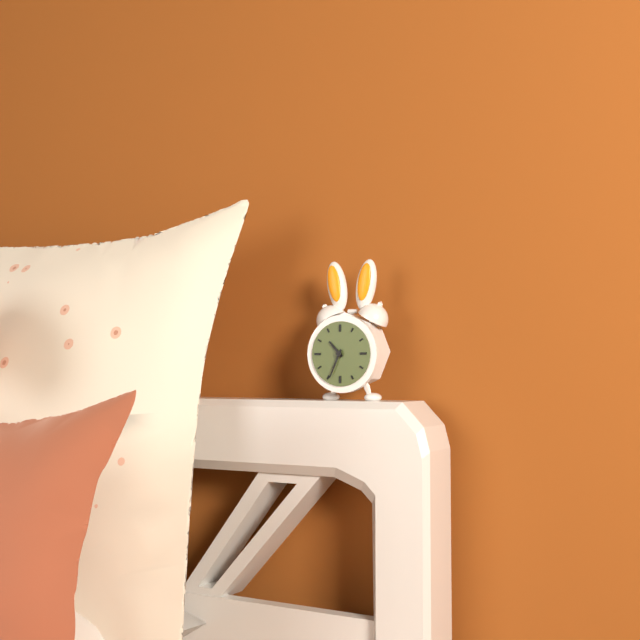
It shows {"hour": 10, "minute": 34}
